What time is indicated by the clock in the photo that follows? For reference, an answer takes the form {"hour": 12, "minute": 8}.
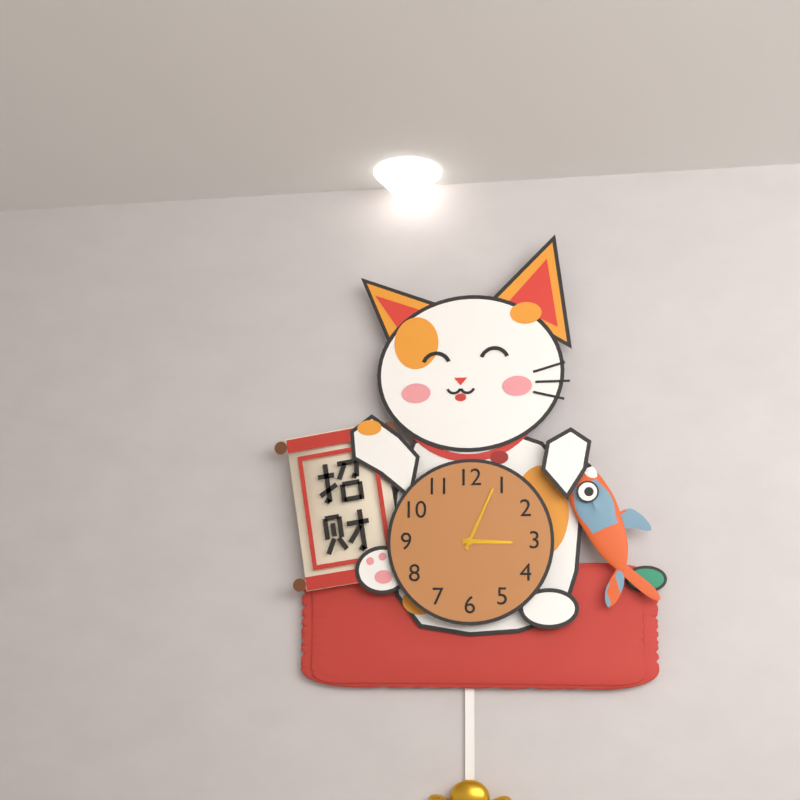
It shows {"hour": 3, "minute": 4}
